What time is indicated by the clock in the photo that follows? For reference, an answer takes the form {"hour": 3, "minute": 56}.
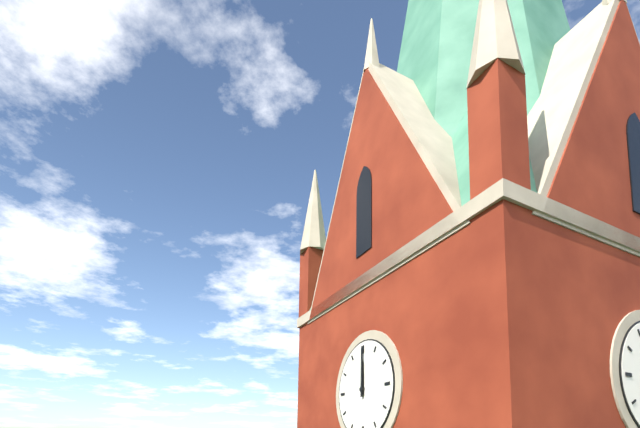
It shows {"hour": 12, "minute": 0}
